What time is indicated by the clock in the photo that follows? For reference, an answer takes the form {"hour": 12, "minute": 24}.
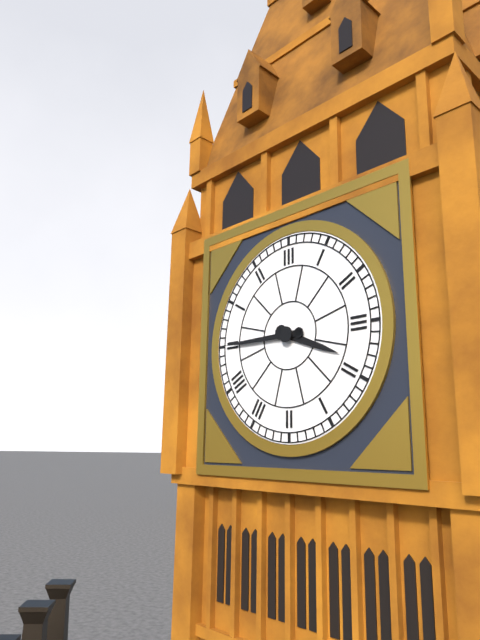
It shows {"hour": 3, "minute": 45}
